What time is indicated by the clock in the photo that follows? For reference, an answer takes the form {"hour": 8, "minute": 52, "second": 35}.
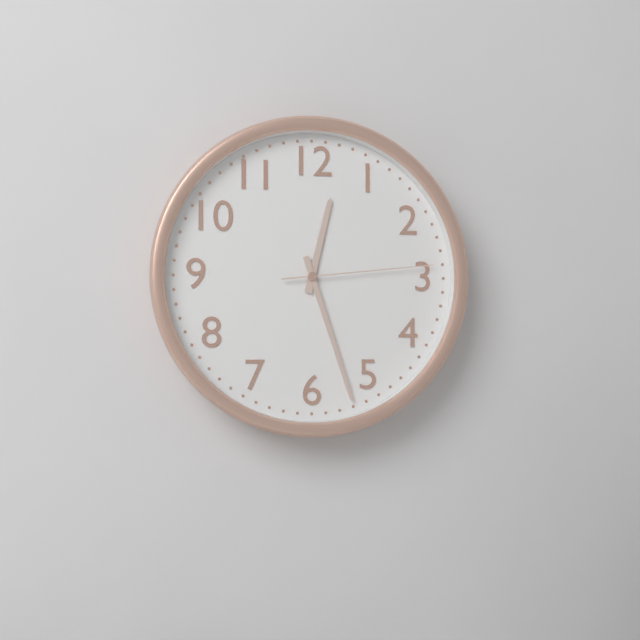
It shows {"hour": 12, "minute": 27, "second": 14}
